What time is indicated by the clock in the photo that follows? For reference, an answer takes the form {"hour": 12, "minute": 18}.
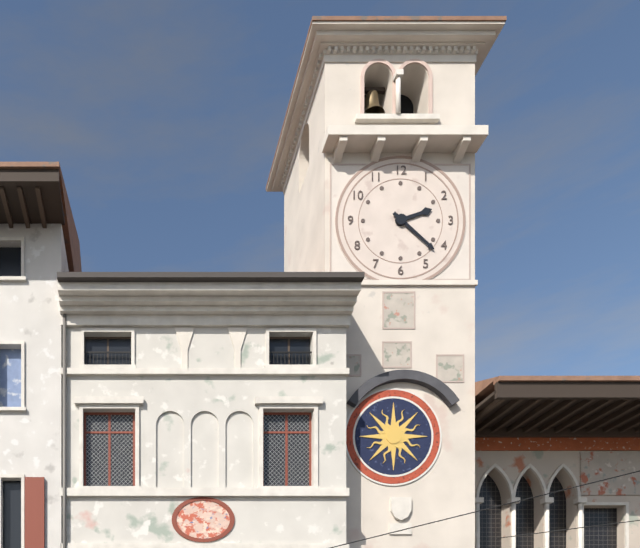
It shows {"hour": 2, "minute": 22}
